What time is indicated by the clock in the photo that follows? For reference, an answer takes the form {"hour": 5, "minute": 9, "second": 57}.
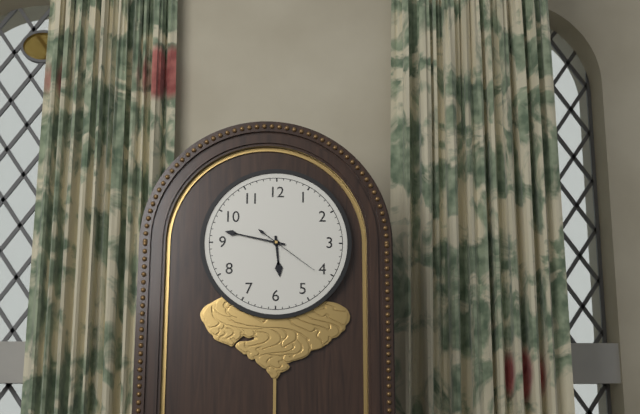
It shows {"hour": 5, "minute": 47, "second": 21}
